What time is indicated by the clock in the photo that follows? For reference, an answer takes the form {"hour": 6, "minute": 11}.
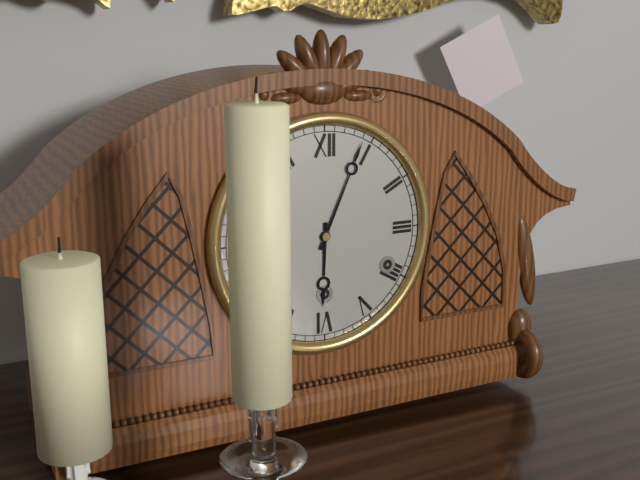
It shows {"hour": 6, "minute": 4}
